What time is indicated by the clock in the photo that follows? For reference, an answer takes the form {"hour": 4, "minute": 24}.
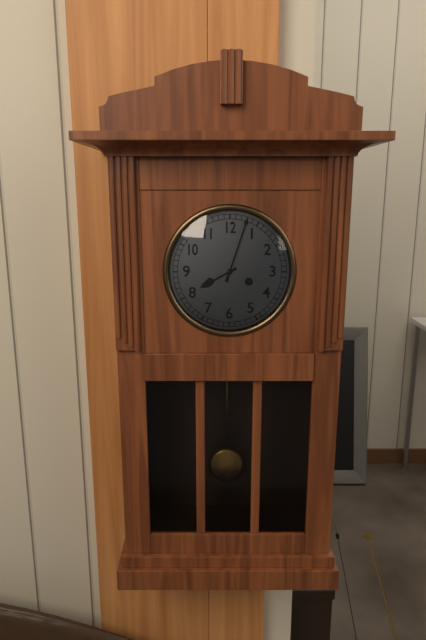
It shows {"hour": 8, "minute": 3}
